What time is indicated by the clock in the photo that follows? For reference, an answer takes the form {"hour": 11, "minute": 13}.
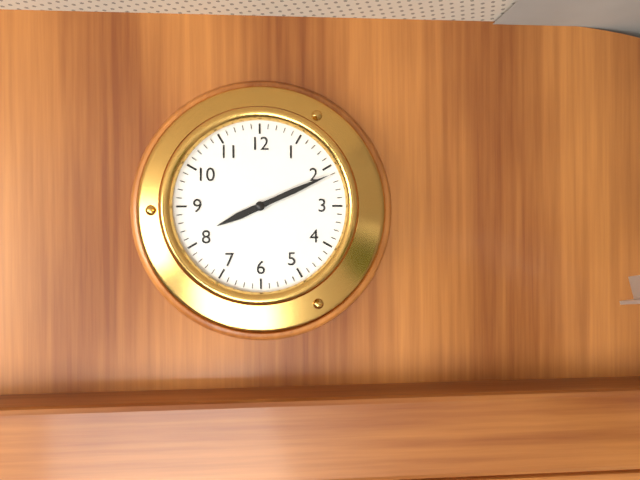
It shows {"hour": 8, "minute": 11}
